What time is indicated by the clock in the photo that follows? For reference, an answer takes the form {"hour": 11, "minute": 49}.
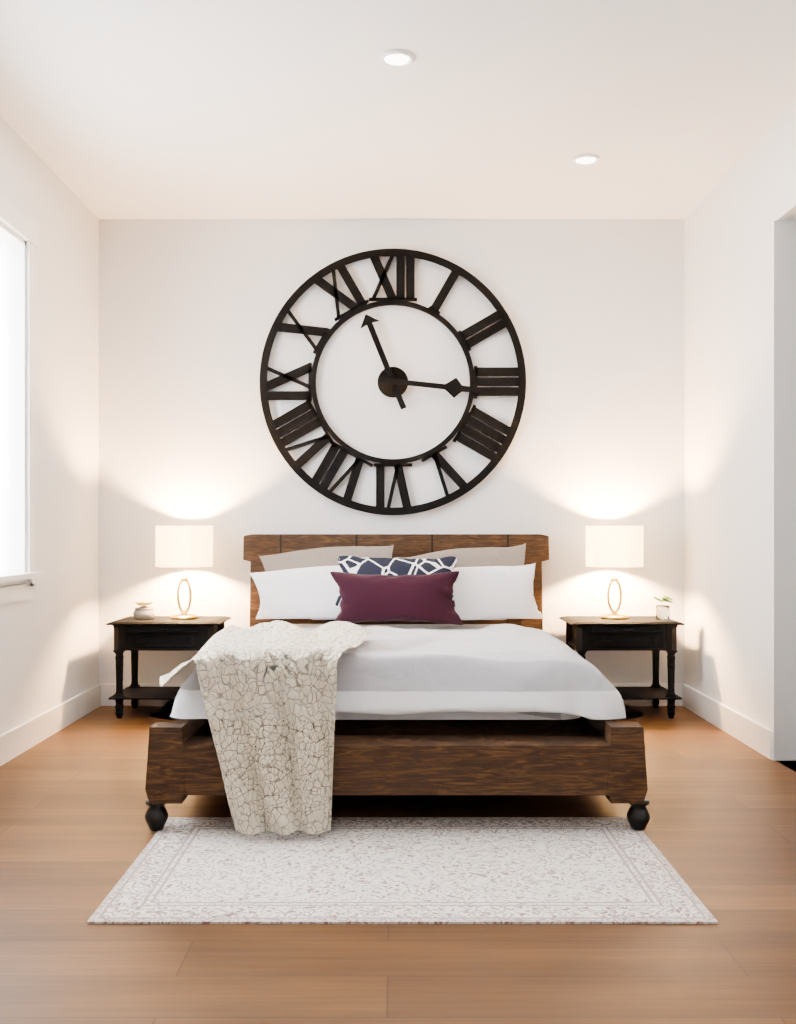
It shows {"hour": 11, "minute": 16}
